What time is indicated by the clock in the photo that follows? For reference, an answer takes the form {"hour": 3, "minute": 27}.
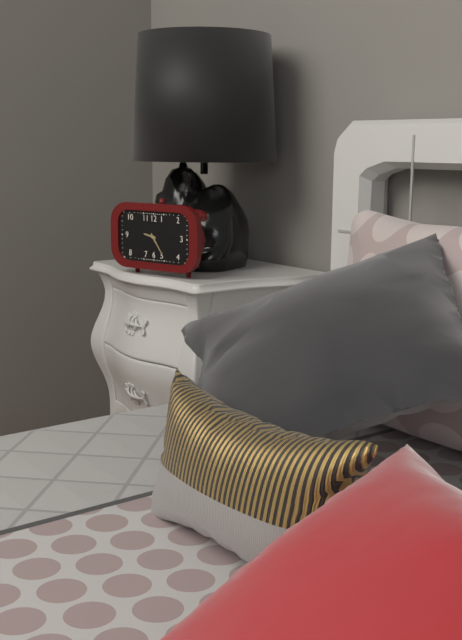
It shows {"hour": 9, "minute": 24}
